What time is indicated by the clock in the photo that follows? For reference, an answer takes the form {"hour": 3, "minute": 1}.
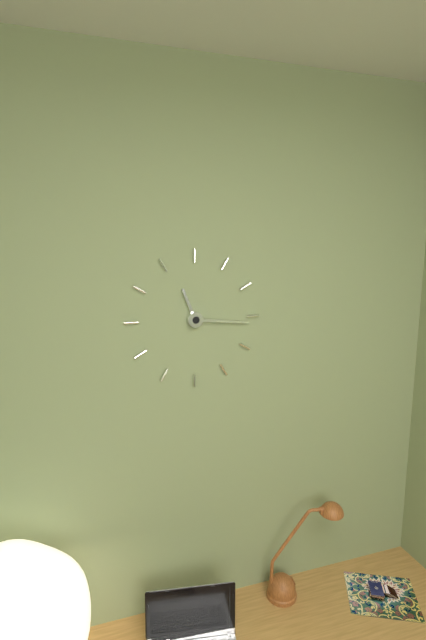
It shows {"hour": 11, "minute": 16}
